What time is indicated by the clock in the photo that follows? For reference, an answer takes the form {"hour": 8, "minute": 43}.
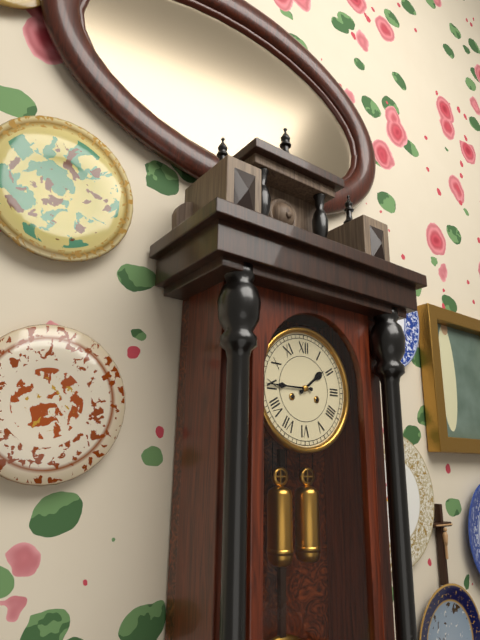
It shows {"hour": 1, "minute": 45}
